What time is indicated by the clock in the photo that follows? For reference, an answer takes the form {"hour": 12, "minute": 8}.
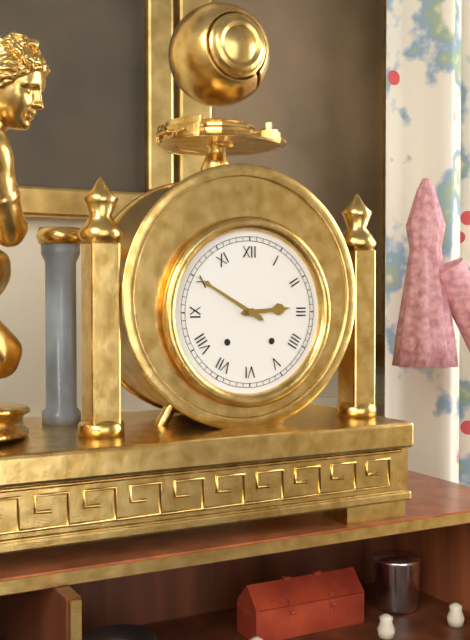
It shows {"hour": 2, "minute": 50}
